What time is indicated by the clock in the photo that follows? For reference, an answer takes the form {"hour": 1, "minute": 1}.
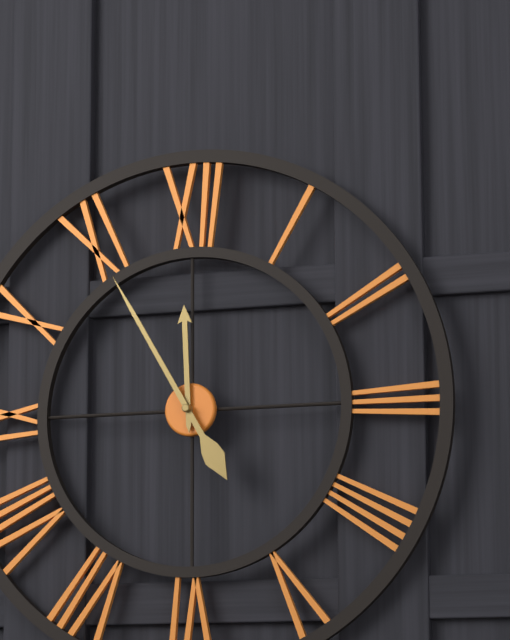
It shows {"hour": 11, "minute": 55}
